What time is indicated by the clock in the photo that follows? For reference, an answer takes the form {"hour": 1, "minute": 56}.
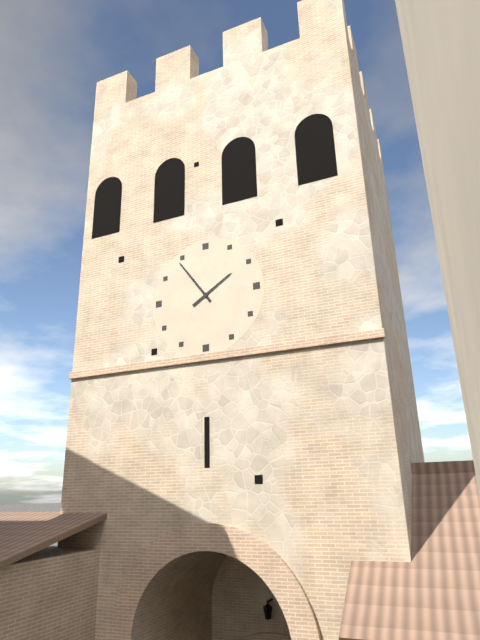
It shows {"hour": 1, "minute": 54}
